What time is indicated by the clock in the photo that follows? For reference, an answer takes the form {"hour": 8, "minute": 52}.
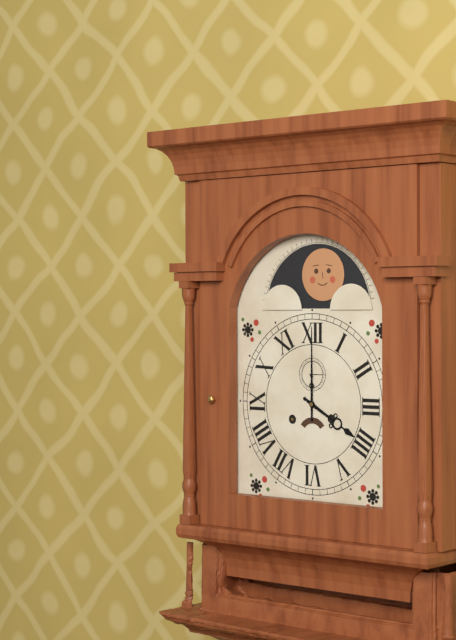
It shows {"hour": 4, "minute": 0}
